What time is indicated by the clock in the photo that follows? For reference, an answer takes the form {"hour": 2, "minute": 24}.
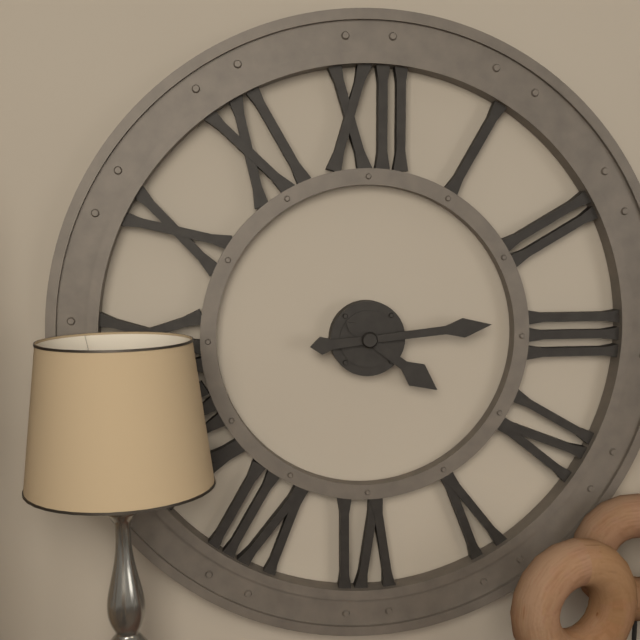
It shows {"hour": 4, "minute": 14}
